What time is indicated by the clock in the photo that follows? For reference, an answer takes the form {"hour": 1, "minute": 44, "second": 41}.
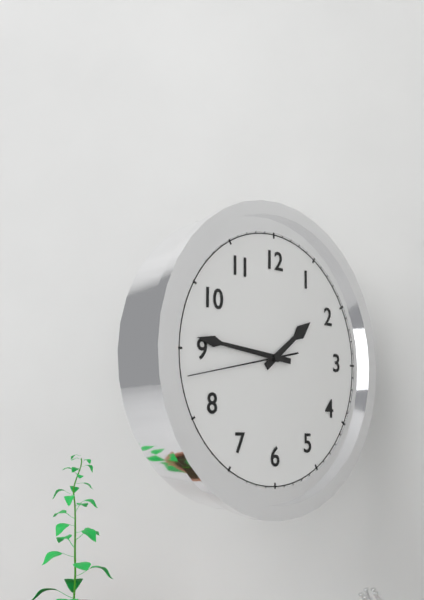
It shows {"hour": 1, "minute": 46, "second": 43}
